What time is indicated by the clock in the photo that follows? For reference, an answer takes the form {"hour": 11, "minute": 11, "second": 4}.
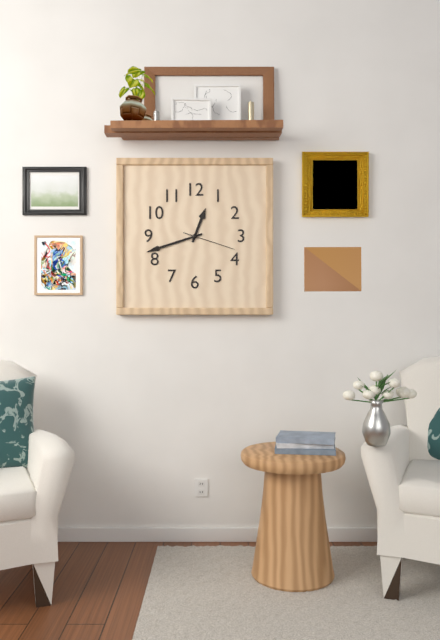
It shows {"hour": 12, "minute": 42, "second": 18}
